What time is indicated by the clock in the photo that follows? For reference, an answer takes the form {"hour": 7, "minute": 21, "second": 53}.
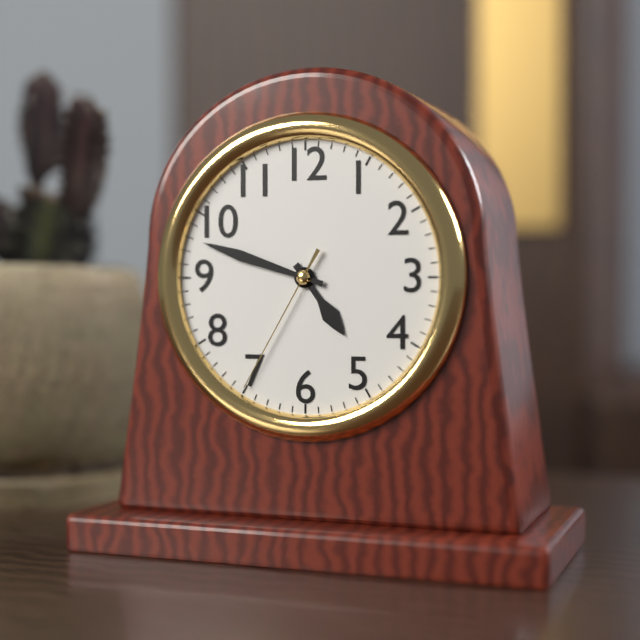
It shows {"hour": 4, "minute": 48, "second": 35}
